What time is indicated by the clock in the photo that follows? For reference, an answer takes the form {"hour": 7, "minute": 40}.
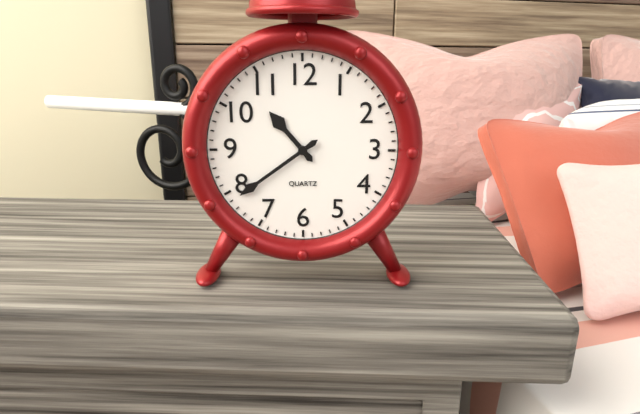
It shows {"hour": 10, "minute": 39}
